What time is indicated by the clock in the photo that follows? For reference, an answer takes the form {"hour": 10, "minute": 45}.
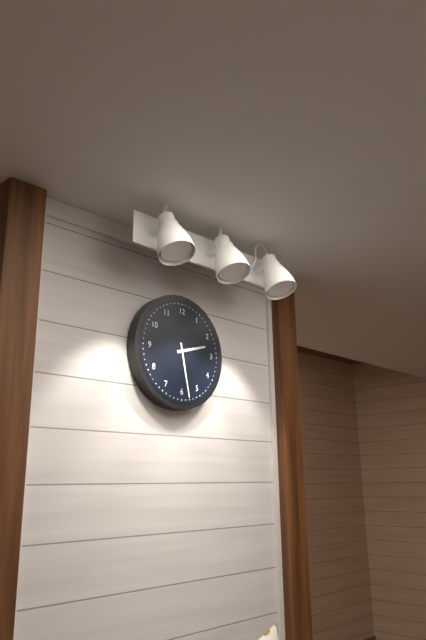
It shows {"hour": 2, "minute": 28}
